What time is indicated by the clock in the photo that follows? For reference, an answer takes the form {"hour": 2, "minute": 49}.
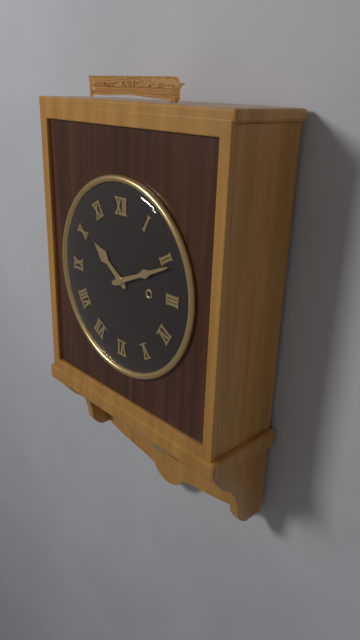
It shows {"hour": 10, "minute": 11}
